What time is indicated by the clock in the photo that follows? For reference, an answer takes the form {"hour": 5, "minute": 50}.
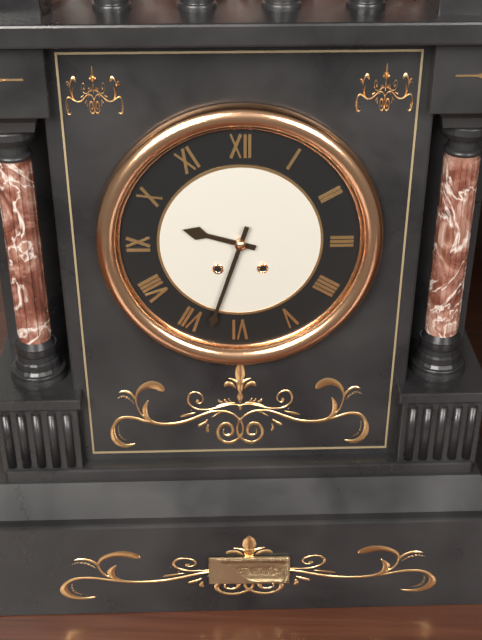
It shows {"hour": 9, "minute": 33}
